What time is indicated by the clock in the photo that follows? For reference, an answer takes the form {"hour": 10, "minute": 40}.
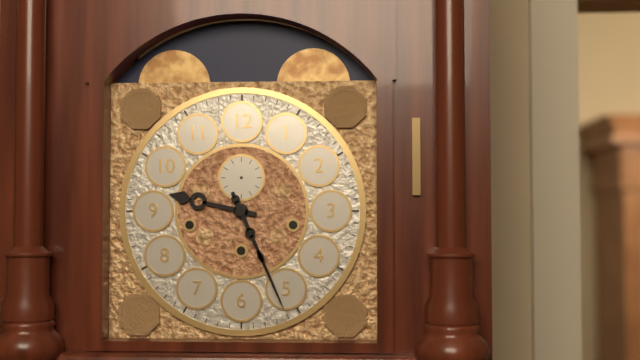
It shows {"hour": 9, "minute": 26}
